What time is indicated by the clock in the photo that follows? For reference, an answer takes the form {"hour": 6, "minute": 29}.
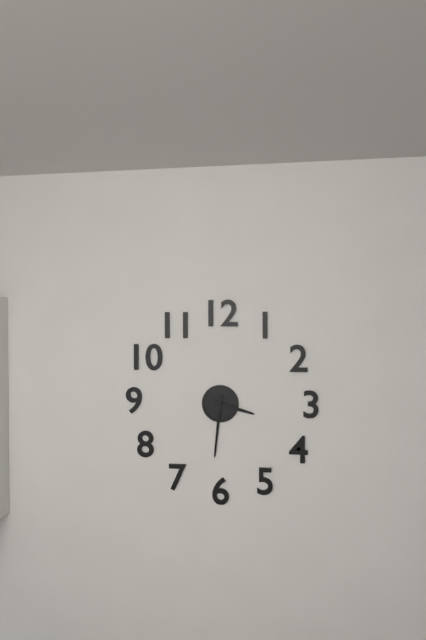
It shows {"hour": 3, "minute": 31}
